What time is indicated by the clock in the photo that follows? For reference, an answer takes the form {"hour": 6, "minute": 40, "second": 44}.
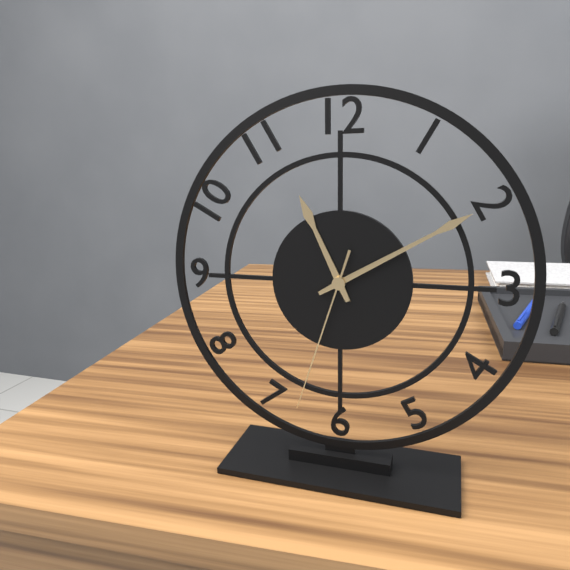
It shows {"hour": 11, "minute": 10, "second": 33}
